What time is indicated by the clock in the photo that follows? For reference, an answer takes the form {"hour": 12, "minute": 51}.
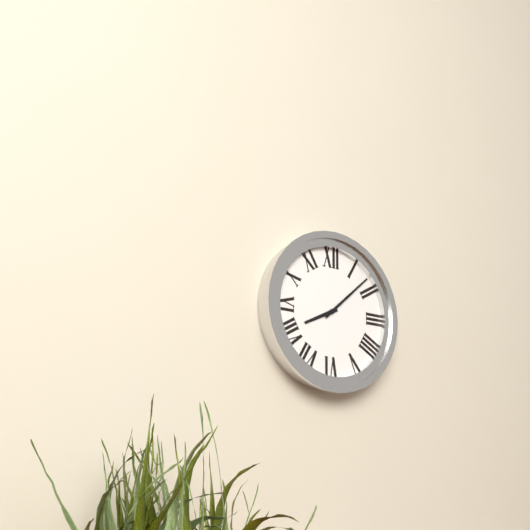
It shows {"hour": 8, "minute": 8}
